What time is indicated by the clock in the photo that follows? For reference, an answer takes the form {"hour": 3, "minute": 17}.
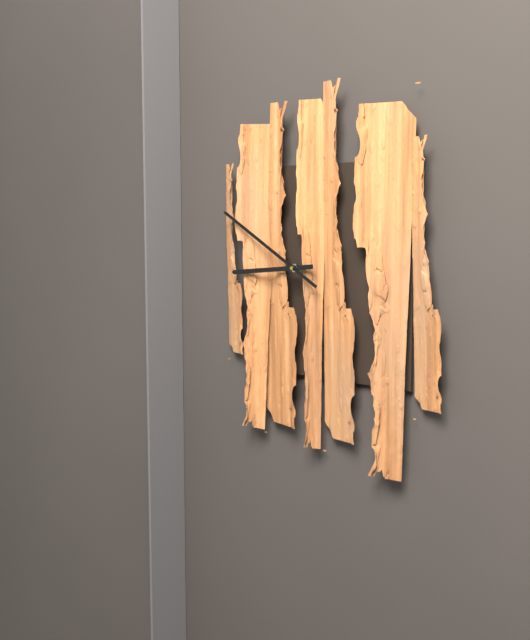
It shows {"hour": 8, "minute": 50}
